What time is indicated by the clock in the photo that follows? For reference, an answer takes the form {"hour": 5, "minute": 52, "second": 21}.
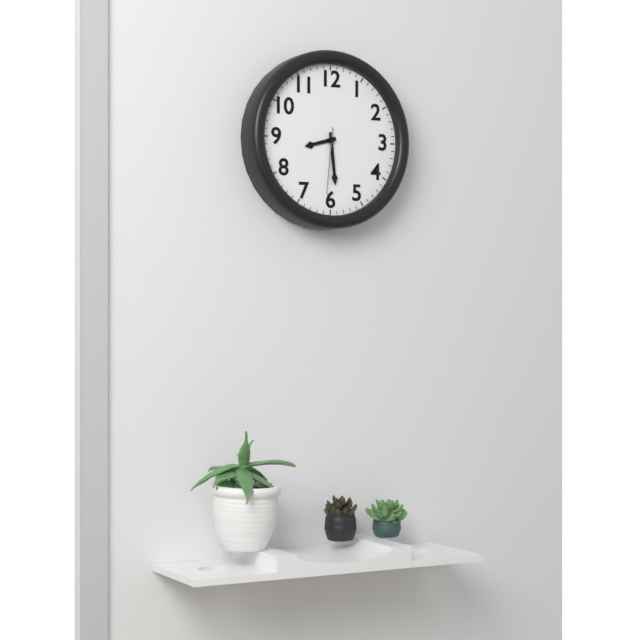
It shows {"hour": 8, "minute": 29, "second": 31}
